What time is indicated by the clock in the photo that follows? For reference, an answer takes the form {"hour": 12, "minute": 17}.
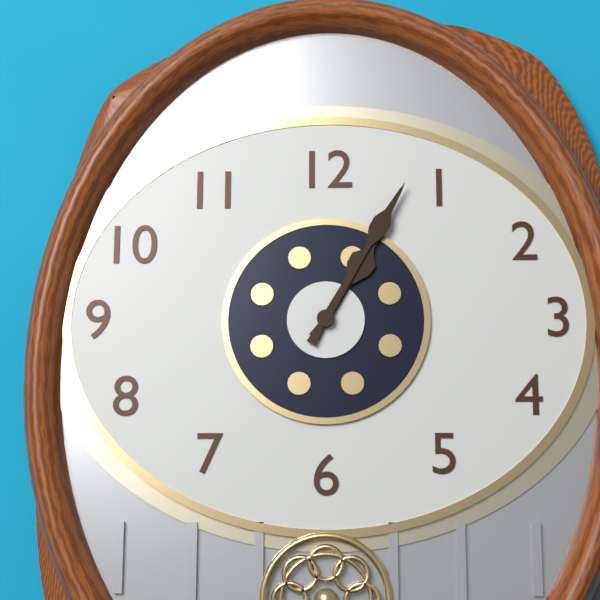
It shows {"hour": 1, "minute": 5}
